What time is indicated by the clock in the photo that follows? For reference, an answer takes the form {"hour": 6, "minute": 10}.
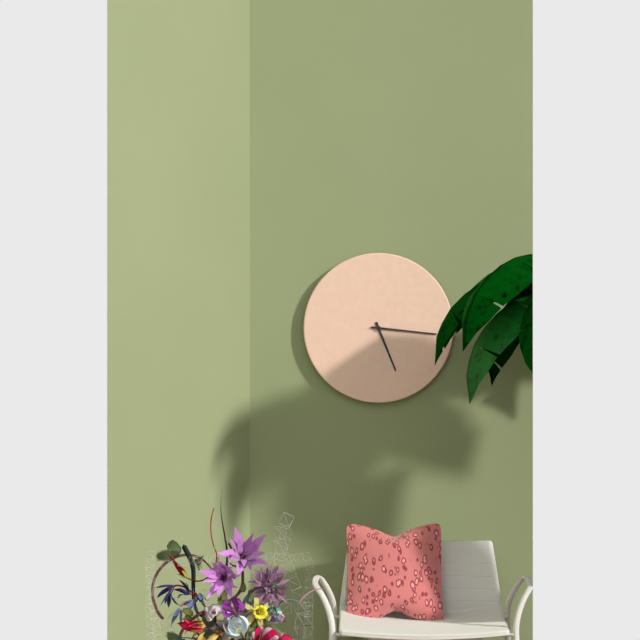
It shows {"hour": 5, "minute": 16}
